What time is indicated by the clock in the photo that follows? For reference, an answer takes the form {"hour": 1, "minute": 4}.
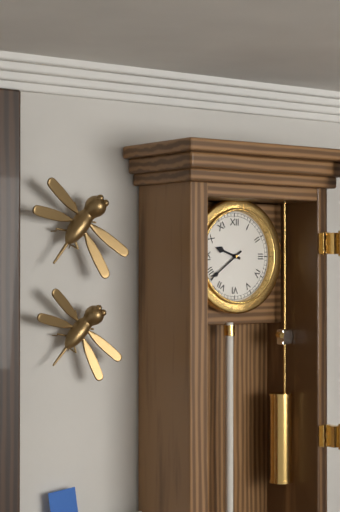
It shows {"hour": 9, "minute": 39}
